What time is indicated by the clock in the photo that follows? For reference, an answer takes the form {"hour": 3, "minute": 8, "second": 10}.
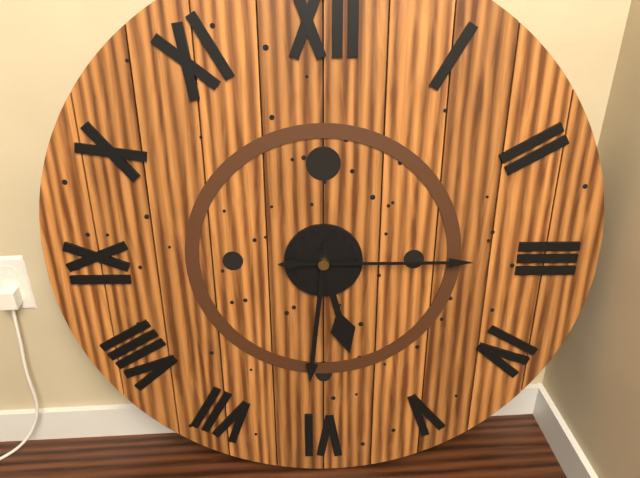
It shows {"hour": 5, "minute": 31, "second": 15}
